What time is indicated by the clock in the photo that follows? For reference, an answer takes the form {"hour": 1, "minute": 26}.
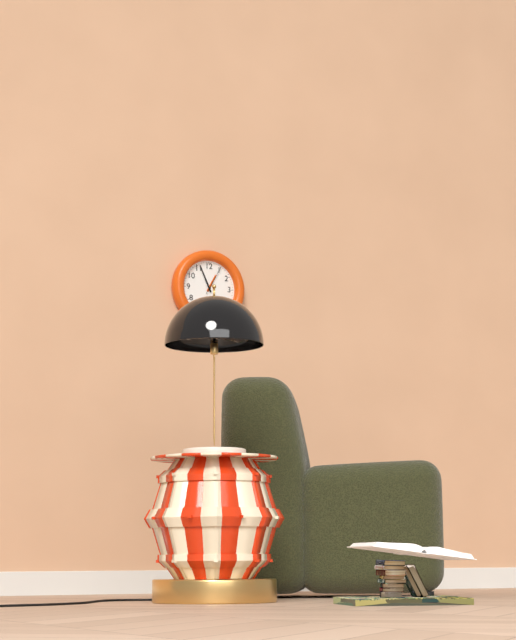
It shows {"hour": 12, "minute": 56}
